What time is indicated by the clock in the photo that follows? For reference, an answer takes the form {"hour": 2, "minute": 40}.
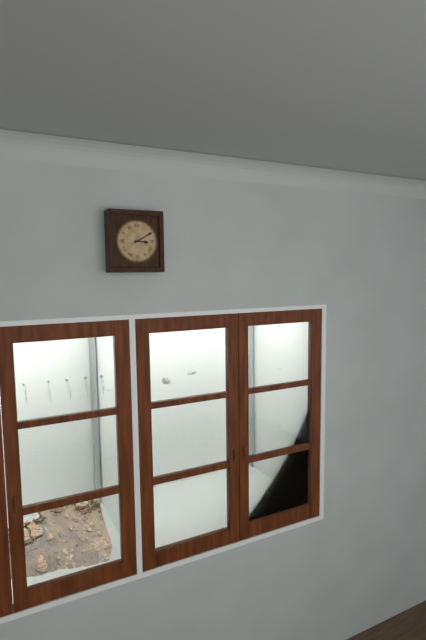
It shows {"hour": 3, "minute": 10}
